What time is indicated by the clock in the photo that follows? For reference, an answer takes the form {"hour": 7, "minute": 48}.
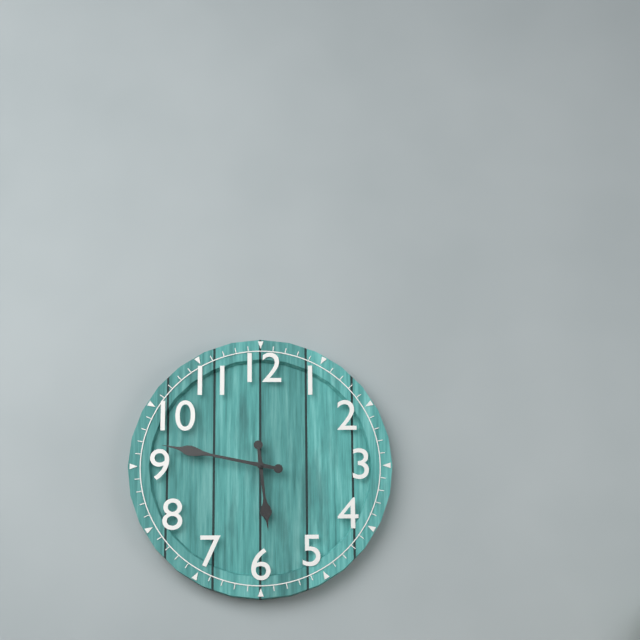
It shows {"hour": 5, "minute": 47}
